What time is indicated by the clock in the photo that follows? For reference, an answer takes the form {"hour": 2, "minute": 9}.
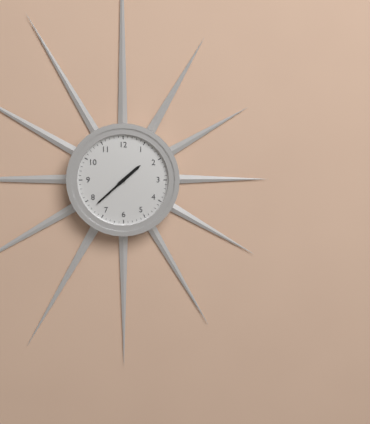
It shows {"hour": 1, "minute": 38}
